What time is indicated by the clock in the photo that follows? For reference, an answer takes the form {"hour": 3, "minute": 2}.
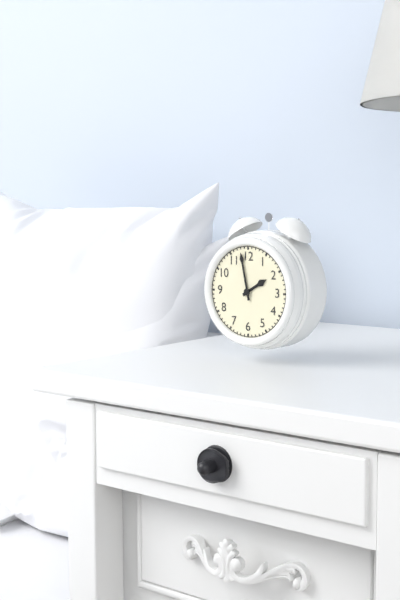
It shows {"hour": 1, "minute": 58}
